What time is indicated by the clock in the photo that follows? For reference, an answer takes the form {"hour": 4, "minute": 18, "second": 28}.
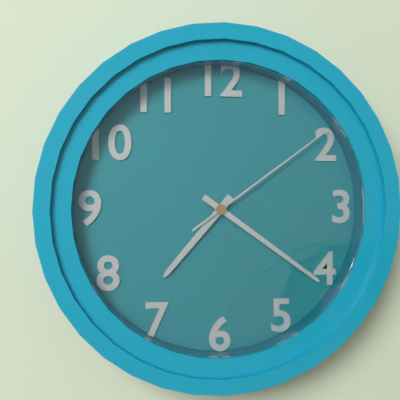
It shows {"hour": 7, "minute": 21, "second": 9}
